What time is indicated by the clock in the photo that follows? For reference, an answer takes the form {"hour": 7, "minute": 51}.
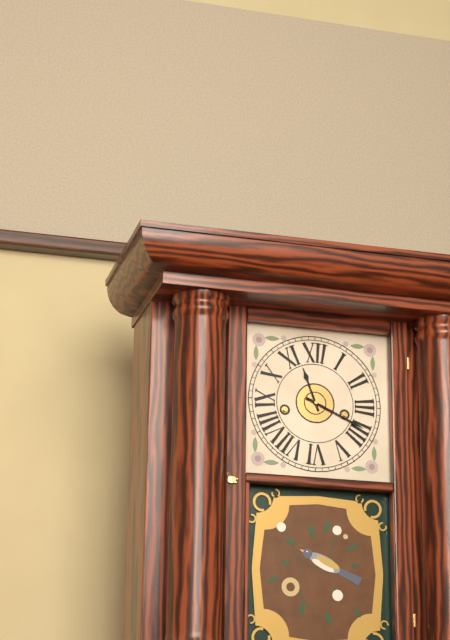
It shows {"hour": 11, "minute": 19}
